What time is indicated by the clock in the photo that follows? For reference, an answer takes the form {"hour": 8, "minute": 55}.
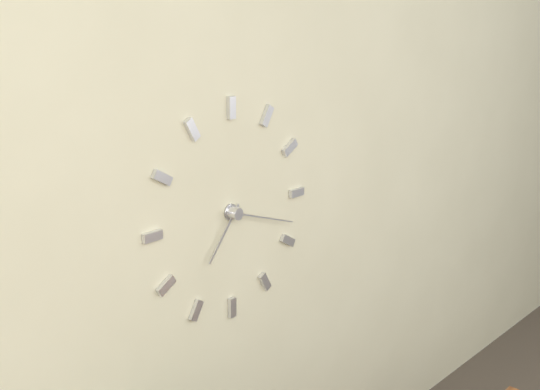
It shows {"hour": 7, "minute": 18}
